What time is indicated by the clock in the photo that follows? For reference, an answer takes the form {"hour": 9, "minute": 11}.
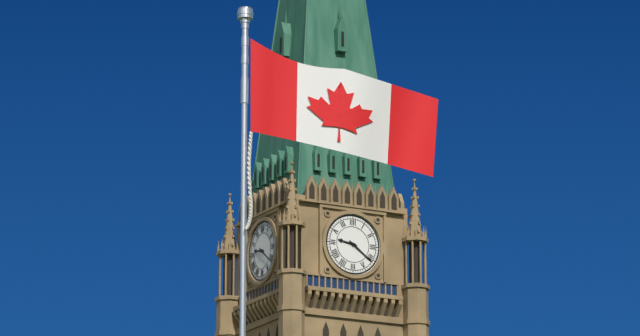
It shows {"hour": 9, "minute": 21}
